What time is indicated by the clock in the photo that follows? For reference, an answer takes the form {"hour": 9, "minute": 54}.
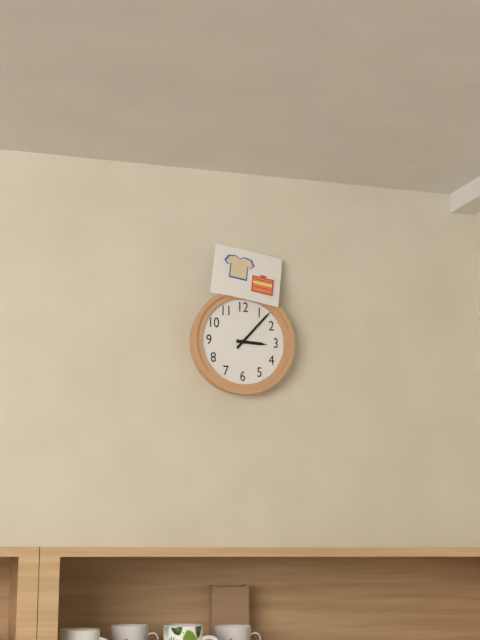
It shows {"hour": 3, "minute": 7}
